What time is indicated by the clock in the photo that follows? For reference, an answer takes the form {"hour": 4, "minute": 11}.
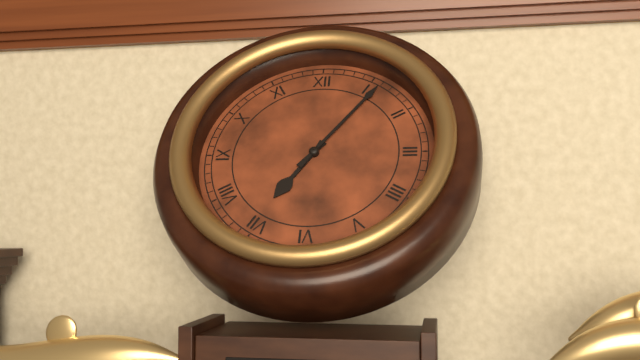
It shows {"hour": 7, "minute": 6}
